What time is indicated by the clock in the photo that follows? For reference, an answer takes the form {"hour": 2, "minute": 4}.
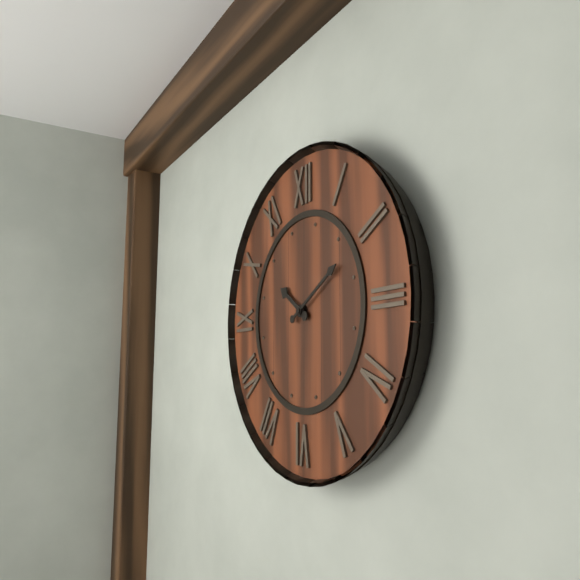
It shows {"hour": 10, "minute": 10}
